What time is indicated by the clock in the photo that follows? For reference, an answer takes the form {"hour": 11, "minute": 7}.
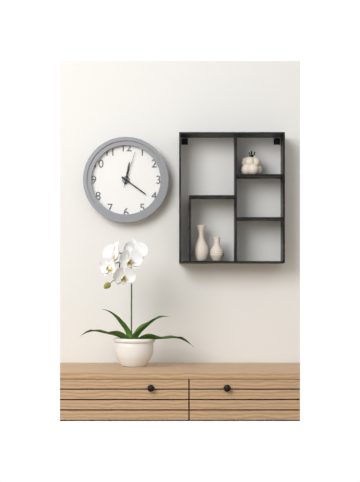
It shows {"hour": 12, "minute": 21}
